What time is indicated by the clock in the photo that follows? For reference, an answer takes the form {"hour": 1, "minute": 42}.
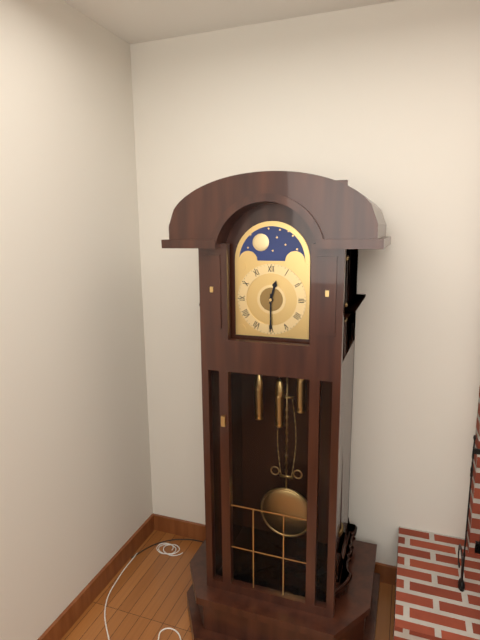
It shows {"hour": 12, "minute": 30}
